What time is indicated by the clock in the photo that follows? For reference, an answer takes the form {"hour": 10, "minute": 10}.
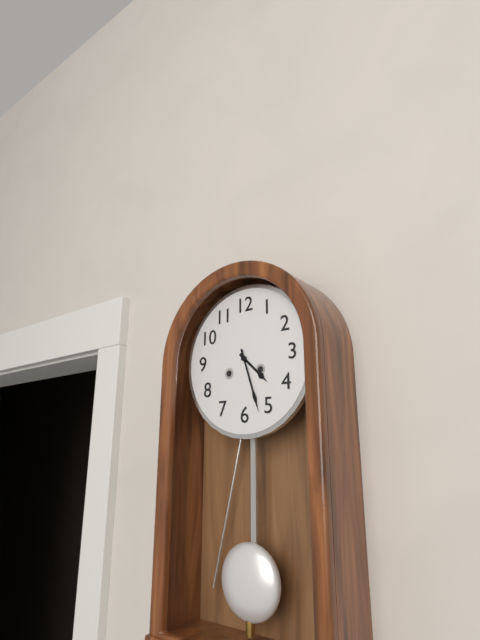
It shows {"hour": 4, "minute": 27}
